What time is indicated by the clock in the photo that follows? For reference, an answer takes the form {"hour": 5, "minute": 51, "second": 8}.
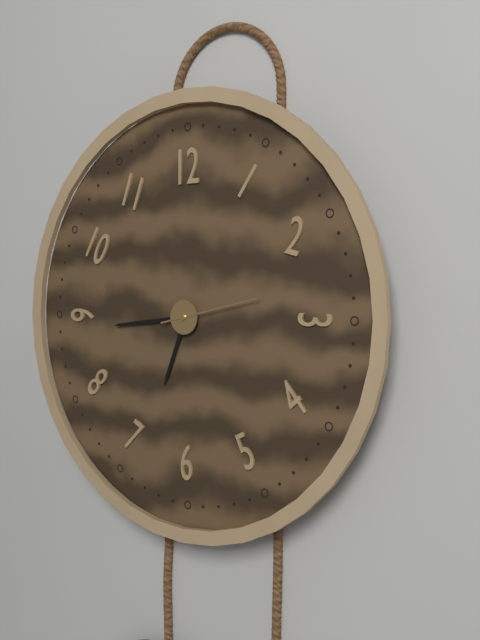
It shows {"hour": 6, "minute": 44, "second": 13}
